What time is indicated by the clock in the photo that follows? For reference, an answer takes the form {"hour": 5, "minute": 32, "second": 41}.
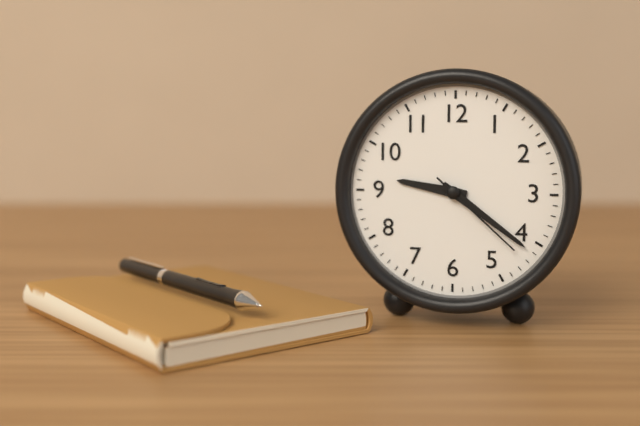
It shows {"hour": 9, "minute": 21, "second": 22}
